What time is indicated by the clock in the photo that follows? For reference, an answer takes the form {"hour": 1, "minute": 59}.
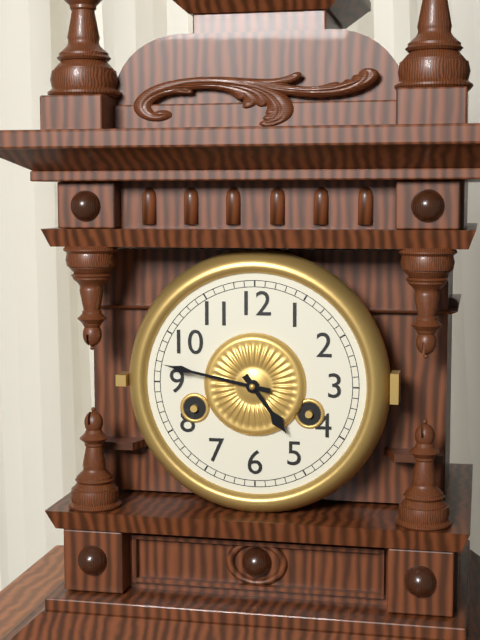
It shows {"hour": 4, "minute": 47}
